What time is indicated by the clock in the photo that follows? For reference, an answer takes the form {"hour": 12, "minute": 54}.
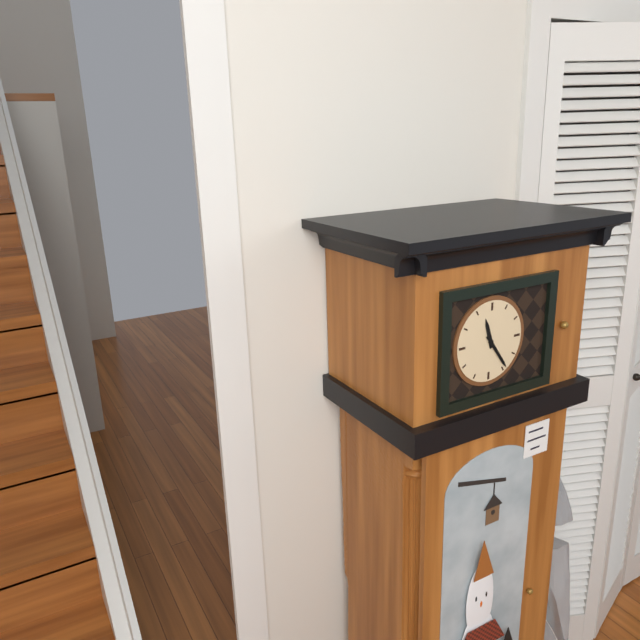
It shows {"hour": 11, "minute": 24}
